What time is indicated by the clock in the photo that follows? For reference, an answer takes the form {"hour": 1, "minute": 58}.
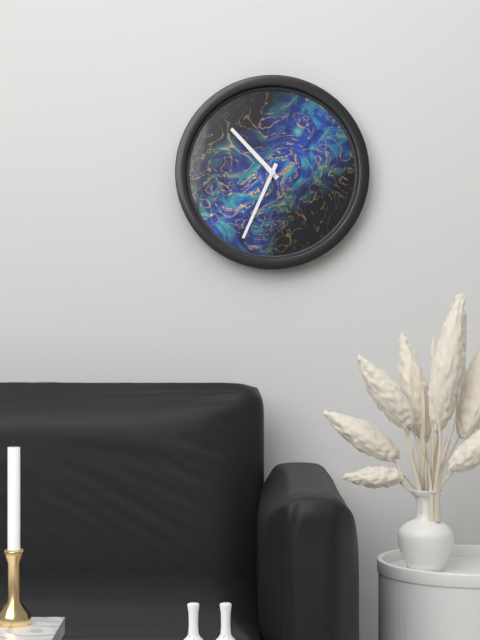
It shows {"hour": 10, "minute": 34}
